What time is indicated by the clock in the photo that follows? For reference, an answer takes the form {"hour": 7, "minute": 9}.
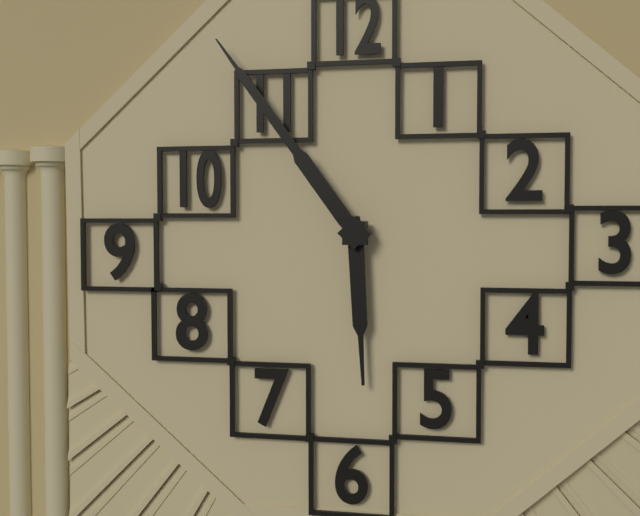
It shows {"hour": 5, "minute": 54}
